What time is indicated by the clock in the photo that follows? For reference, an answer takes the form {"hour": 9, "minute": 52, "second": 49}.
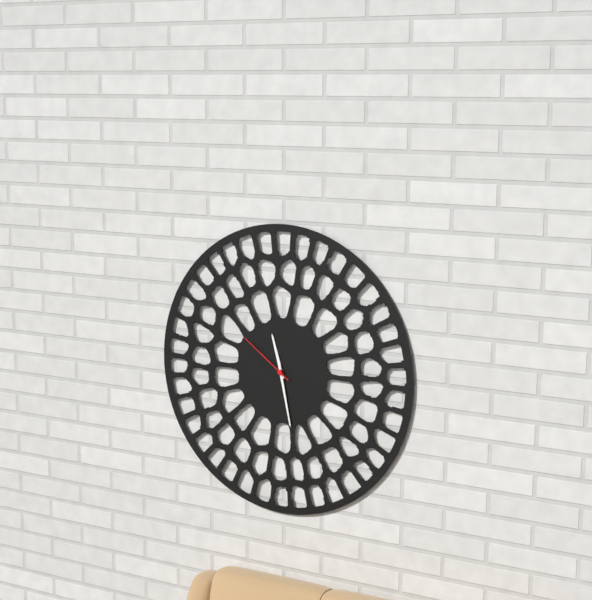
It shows {"hour": 11, "minute": 28, "second": 51}
